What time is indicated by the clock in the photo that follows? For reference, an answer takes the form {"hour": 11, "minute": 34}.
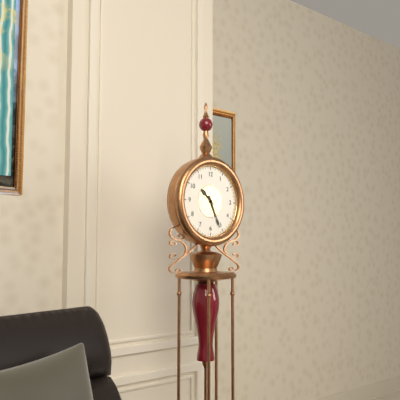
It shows {"hour": 10, "minute": 26}
